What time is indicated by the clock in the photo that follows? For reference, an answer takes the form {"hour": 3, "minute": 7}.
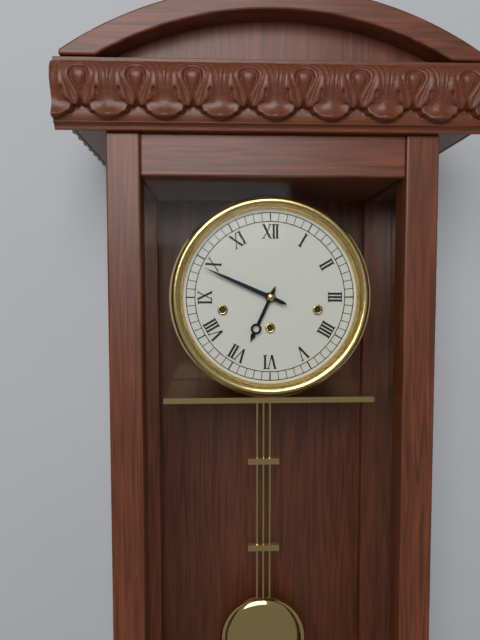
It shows {"hour": 6, "minute": 49}
